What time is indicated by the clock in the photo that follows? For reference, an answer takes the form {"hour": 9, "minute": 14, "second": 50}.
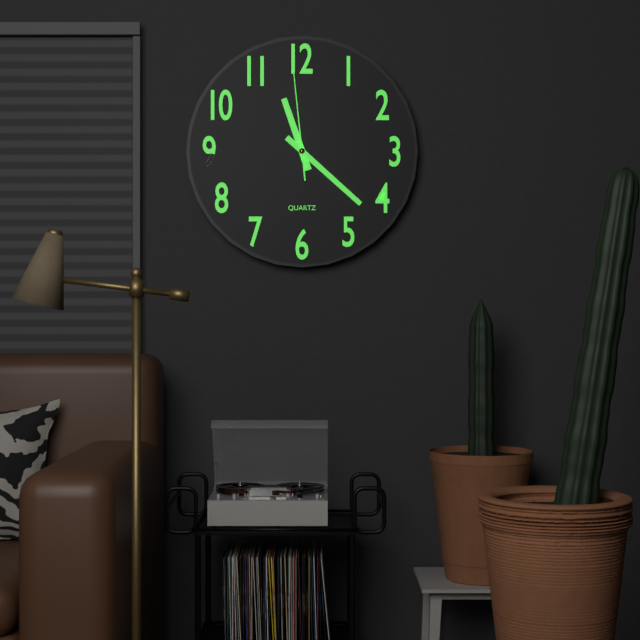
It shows {"hour": 11, "minute": 22, "second": 59}
